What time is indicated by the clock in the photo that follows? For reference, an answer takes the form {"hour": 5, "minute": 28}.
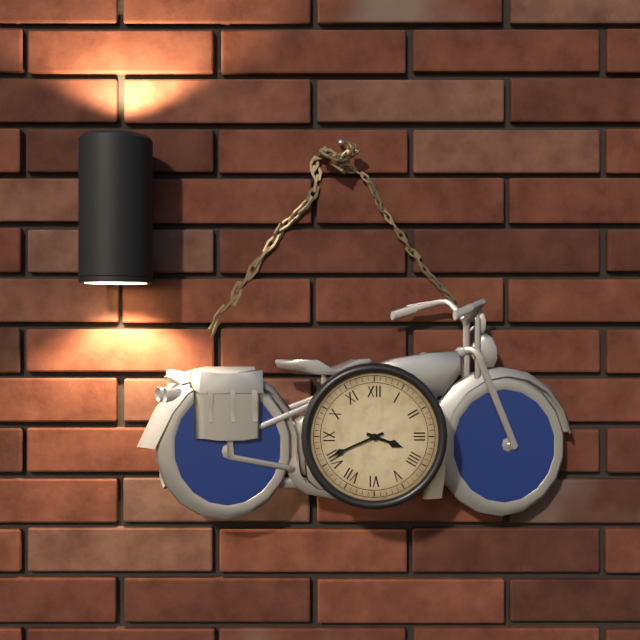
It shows {"hour": 3, "minute": 41}
